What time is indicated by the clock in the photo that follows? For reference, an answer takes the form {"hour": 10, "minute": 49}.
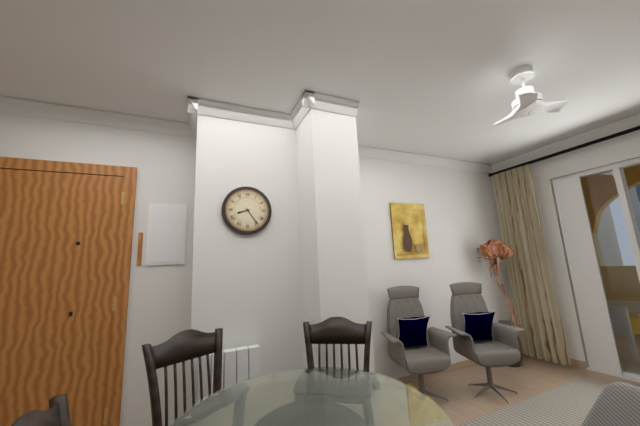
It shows {"hour": 8, "minute": 24}
